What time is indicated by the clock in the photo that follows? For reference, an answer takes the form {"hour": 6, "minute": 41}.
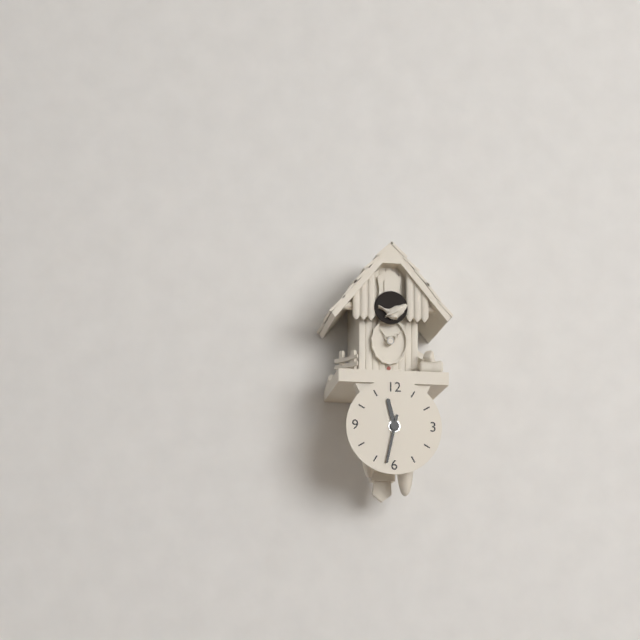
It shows {"hour": 11, "minute": 32}
